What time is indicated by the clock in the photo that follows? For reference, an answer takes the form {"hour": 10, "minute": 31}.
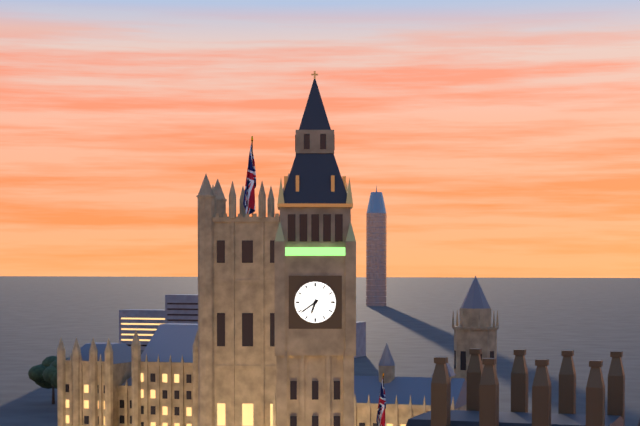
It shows {"hour": 6, "minute": 39}
